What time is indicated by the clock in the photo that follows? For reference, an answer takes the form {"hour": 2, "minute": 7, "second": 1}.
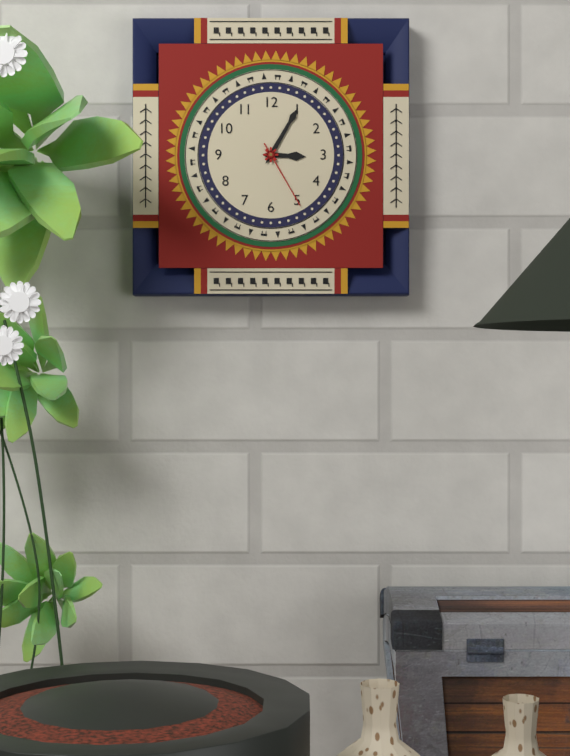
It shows {"hour": 3, "minute": 5, "second": 25}
